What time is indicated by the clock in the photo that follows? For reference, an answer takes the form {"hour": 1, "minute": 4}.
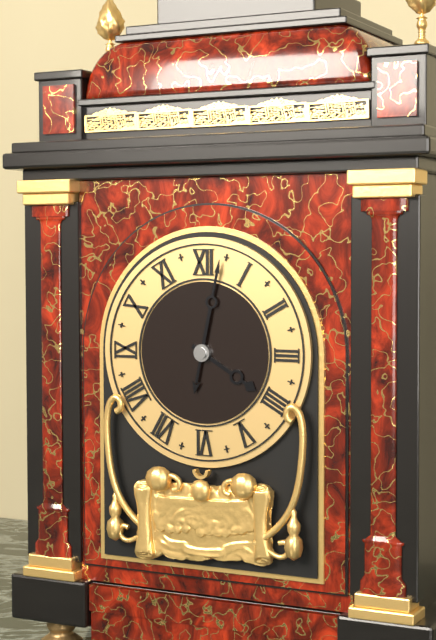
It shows {"hour": 4, "minute": 2}
